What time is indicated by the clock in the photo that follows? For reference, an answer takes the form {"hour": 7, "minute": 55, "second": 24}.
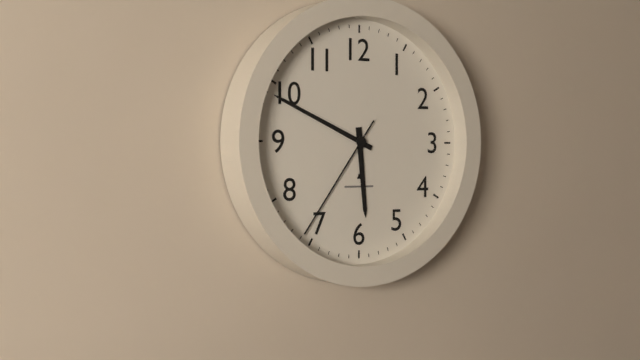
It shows {"hour": 5, "minute": 49, "second": 36}
